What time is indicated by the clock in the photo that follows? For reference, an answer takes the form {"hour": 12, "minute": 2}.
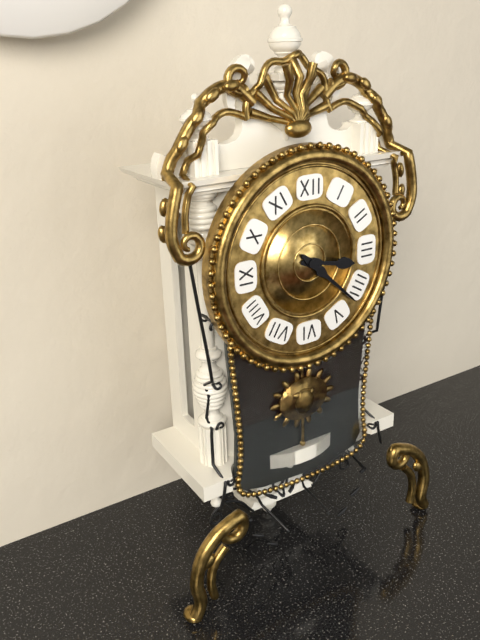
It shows {"hour": 3, "minute": 22}
